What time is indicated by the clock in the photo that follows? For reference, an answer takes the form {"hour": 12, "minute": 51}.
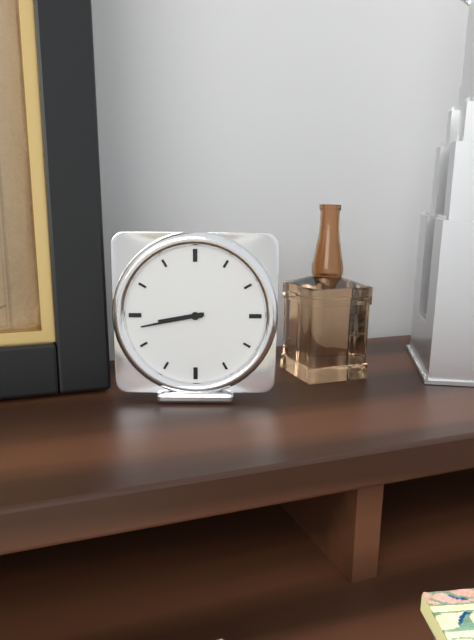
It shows {"hour": 8, "minute": 43}
